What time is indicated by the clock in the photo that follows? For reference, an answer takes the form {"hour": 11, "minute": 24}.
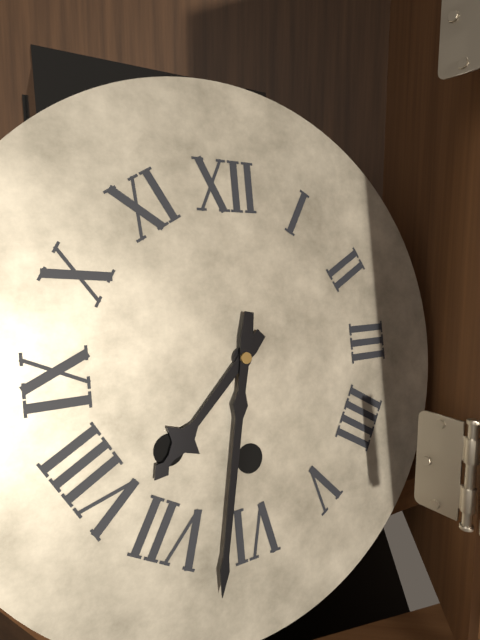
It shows {"hour": 7, "minute": 32}
